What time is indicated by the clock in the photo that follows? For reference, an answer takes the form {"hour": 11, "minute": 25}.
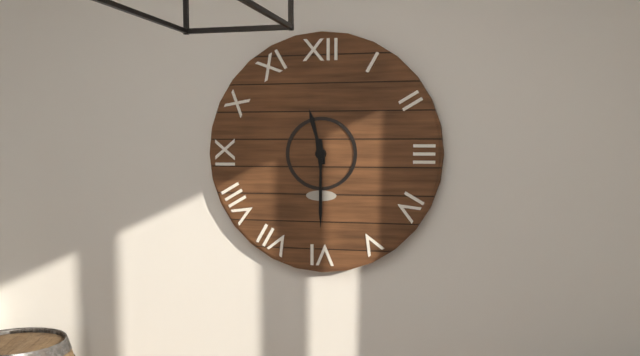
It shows {"hour": 11, "minute": 30}
